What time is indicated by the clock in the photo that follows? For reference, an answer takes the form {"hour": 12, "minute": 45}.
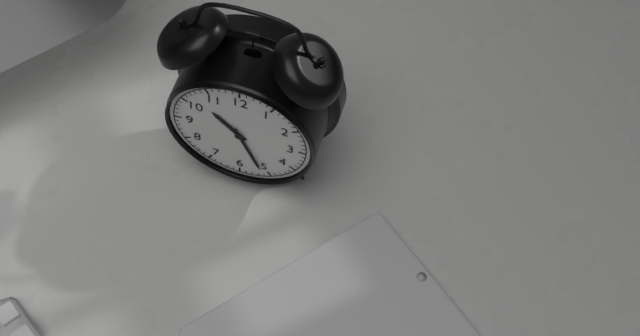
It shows {"hour": 10, "minute": 26}
